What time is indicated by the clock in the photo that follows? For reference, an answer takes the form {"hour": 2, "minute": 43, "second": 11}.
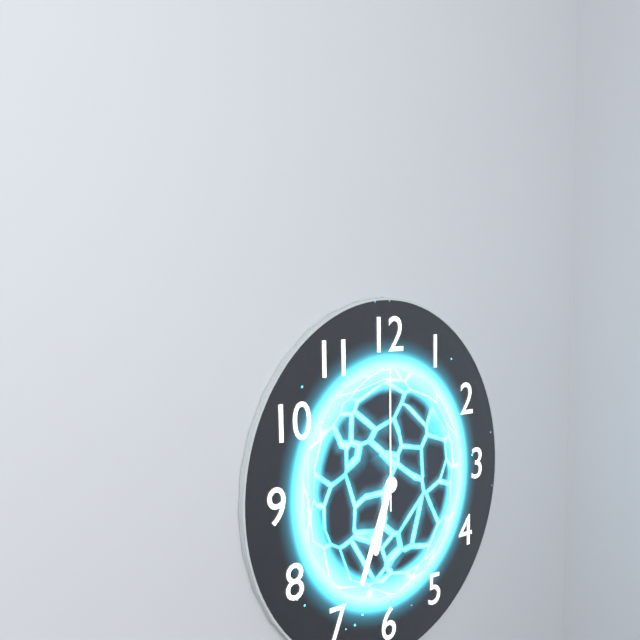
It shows {"hour": 6, "minute": 34, "second": 0}
